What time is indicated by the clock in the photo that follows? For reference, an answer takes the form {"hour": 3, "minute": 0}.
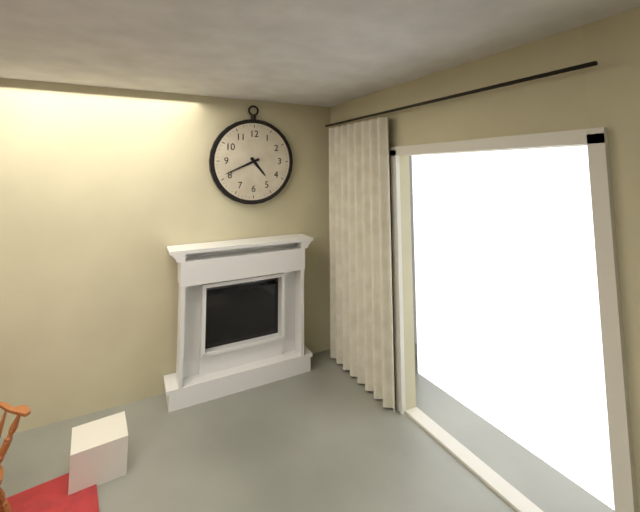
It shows {"hour": 4, "minute": 41}
